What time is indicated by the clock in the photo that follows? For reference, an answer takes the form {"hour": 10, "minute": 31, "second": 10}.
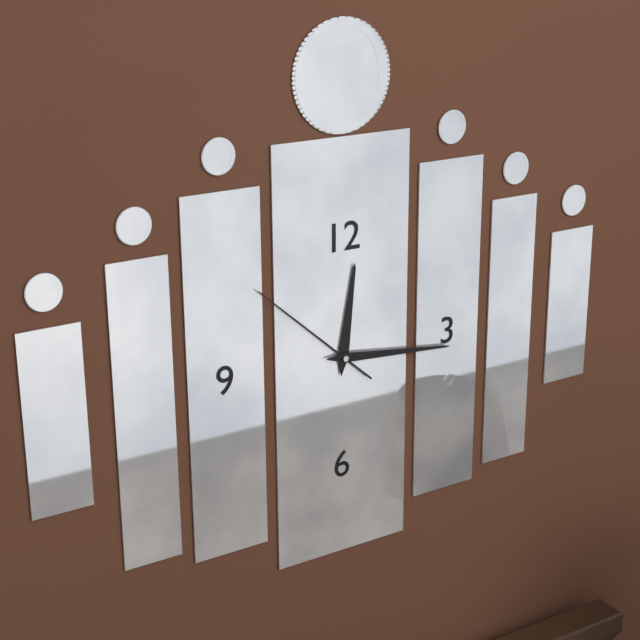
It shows {"hour": 12, "minute": 16, "second": 52}
